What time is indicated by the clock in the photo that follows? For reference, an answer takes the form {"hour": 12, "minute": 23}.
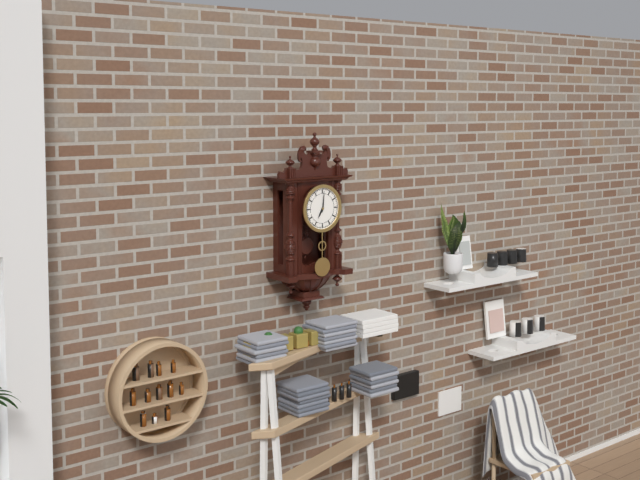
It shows {"hour": 7, "minute": 1}
